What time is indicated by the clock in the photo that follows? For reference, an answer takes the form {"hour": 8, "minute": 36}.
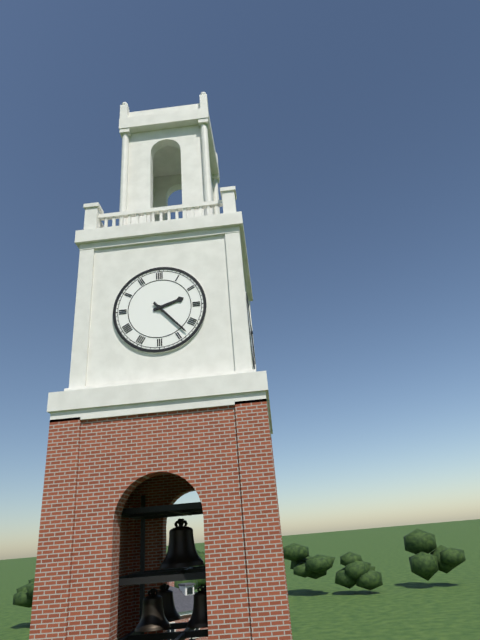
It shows {"hour": 2, "minute": 23}
